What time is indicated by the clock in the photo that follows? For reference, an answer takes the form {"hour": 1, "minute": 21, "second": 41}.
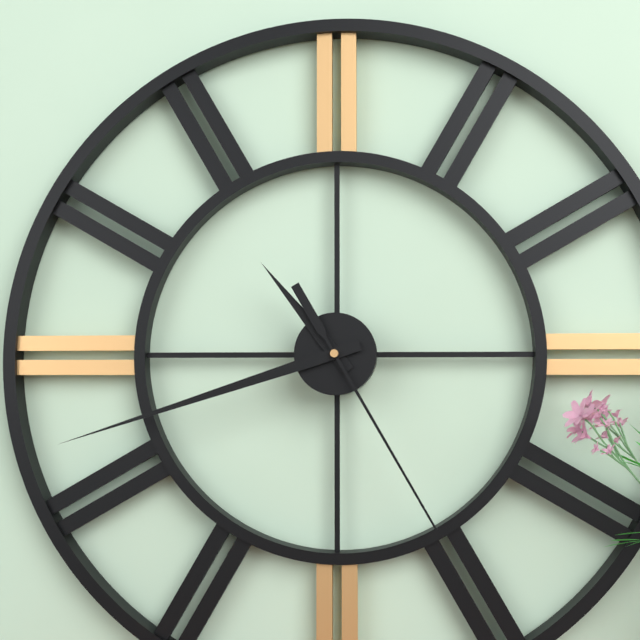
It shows {"hour": 10, "minute": 42, "second": 25}
